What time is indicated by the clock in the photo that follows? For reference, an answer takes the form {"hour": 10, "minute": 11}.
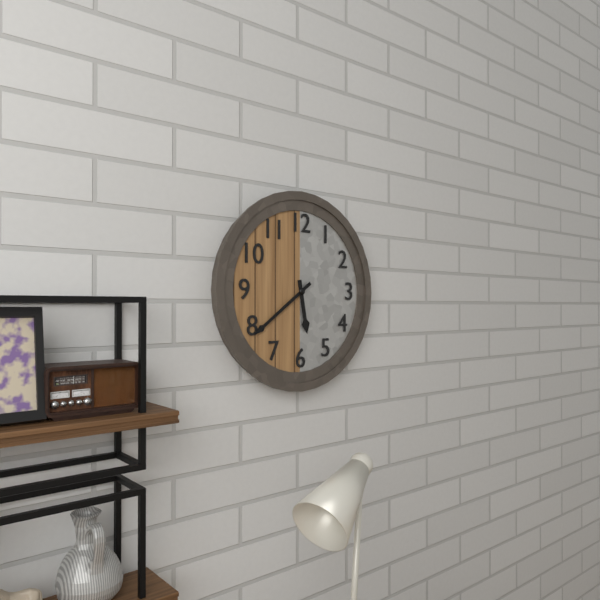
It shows {"hour": 5, "minute": 39}
